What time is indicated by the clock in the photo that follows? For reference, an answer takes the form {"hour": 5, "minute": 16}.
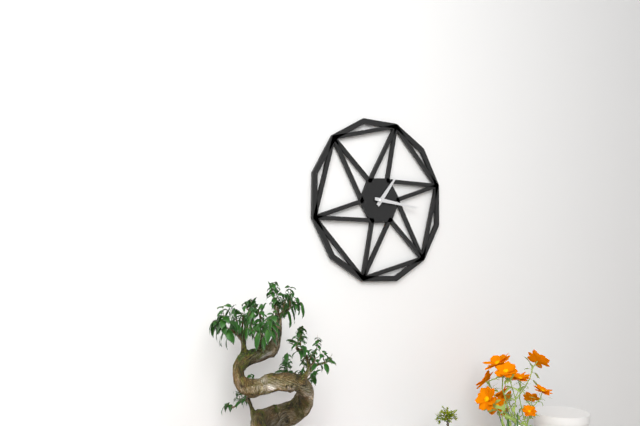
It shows {"hour": 1, "minute": 16}
